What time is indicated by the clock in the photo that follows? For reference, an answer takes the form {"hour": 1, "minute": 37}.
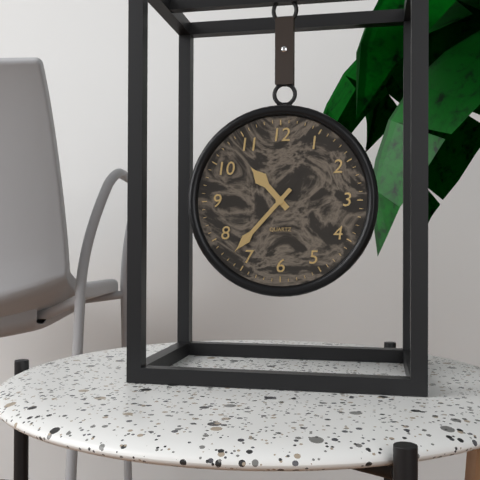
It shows {"hour": 10, "minute": 37}
